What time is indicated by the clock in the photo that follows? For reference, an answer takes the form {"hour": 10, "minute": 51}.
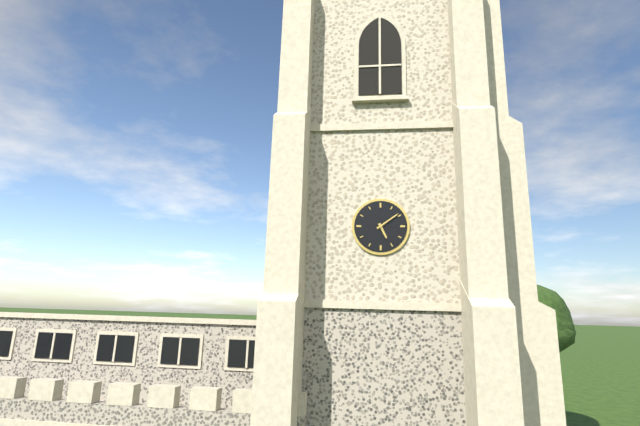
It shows {"hour": 5, "minute": 9}
